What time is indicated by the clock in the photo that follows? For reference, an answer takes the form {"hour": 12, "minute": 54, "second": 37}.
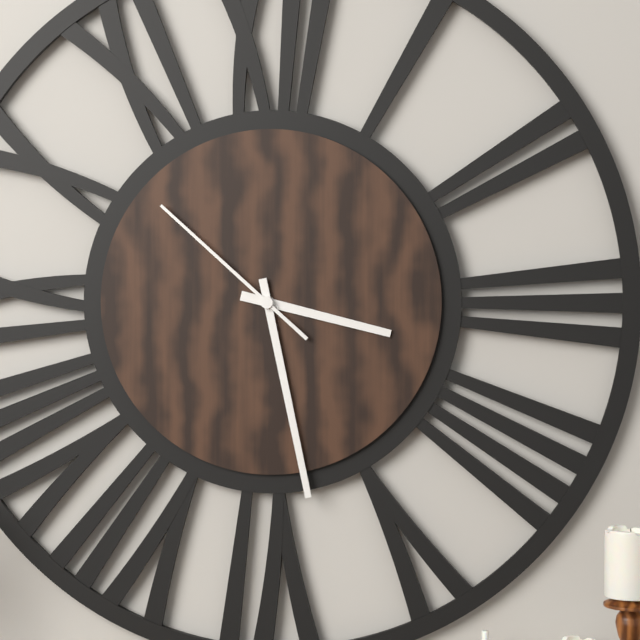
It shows {"hour": 3, "minute": 28, "second": 52}
